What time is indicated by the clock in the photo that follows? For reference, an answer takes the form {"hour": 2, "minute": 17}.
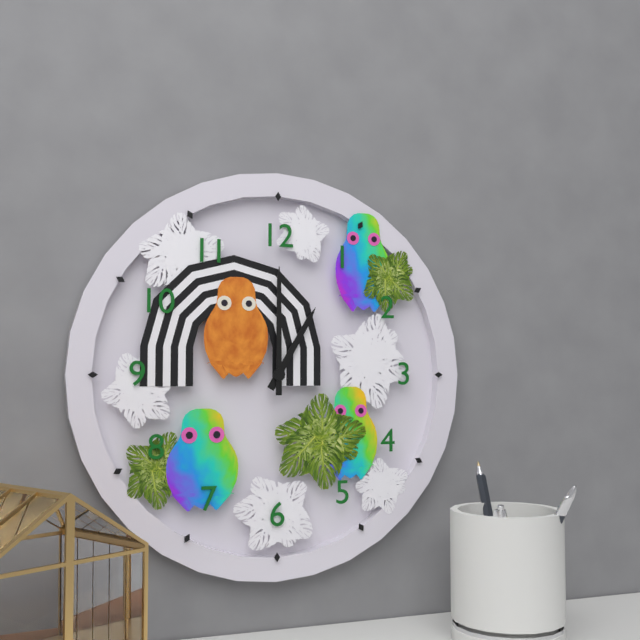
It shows {"hour": 1, "minute": 0}
